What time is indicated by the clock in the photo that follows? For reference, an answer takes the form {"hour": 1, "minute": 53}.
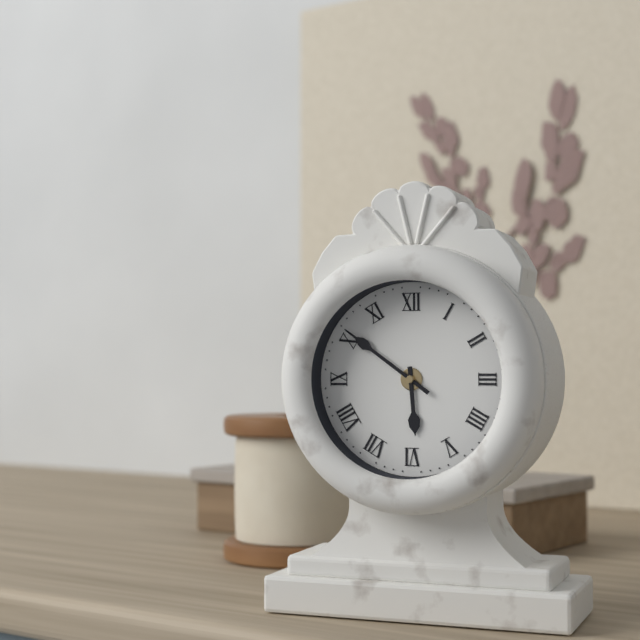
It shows {"hour": 5, "minute": 51}
